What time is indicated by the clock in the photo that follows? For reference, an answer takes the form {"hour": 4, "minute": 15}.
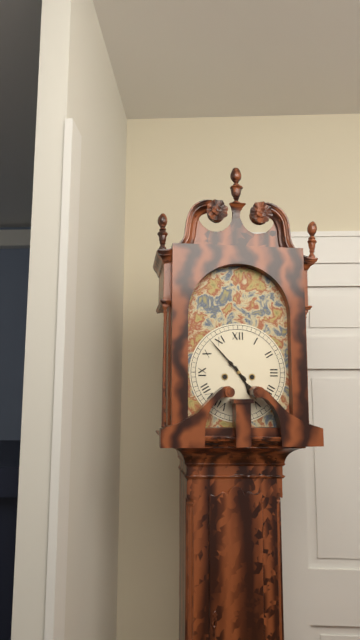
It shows {"hour": 4, "minute": 53}
